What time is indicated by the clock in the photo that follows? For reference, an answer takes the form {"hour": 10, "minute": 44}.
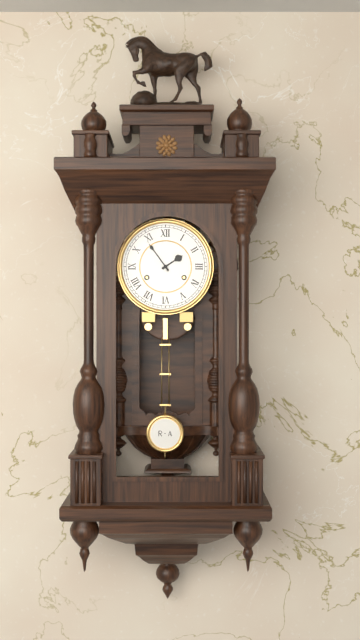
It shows {"hour": 1, "minute": 54}
